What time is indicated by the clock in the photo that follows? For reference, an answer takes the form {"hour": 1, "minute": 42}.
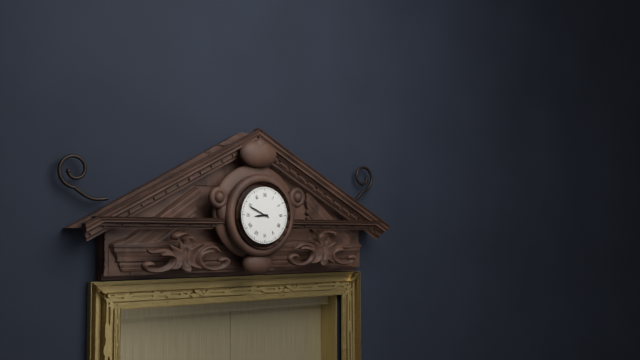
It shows {"hour": 8, "minute": 49}
